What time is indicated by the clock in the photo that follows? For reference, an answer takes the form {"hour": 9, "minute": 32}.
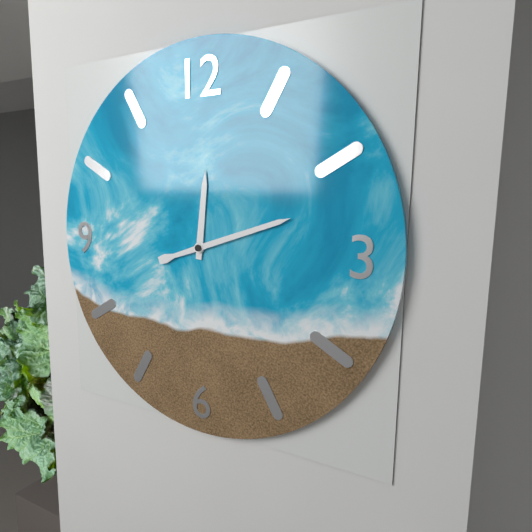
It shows {"hour": 12, "minute": 12}
